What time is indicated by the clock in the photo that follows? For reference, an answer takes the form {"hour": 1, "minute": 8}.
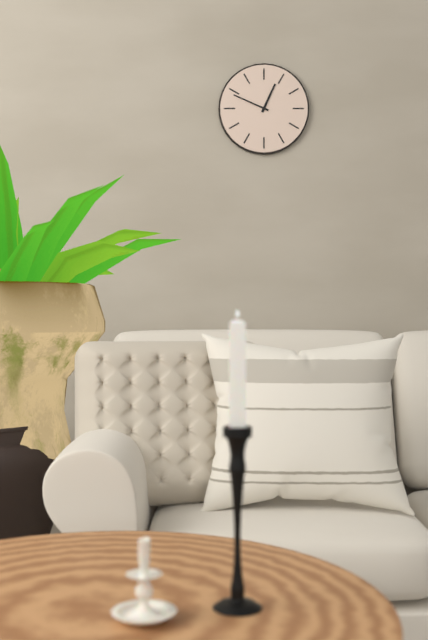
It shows {"hour": 12, "minute": 49}
